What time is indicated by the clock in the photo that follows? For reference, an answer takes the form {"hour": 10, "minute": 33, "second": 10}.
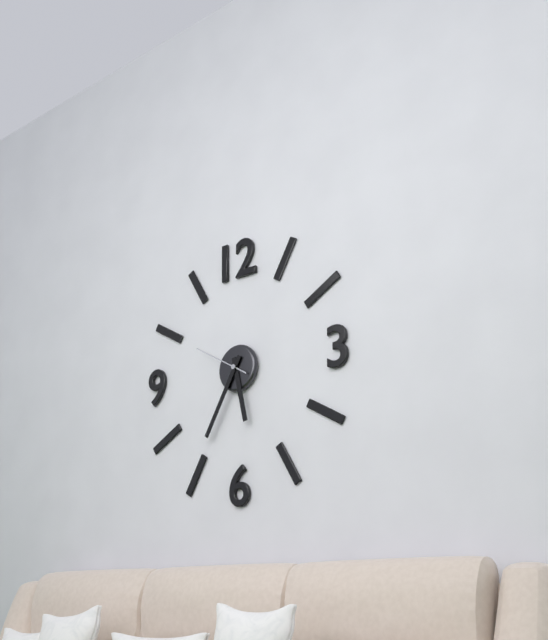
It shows {"hour": 5, "minute": 35, "second": 50}
